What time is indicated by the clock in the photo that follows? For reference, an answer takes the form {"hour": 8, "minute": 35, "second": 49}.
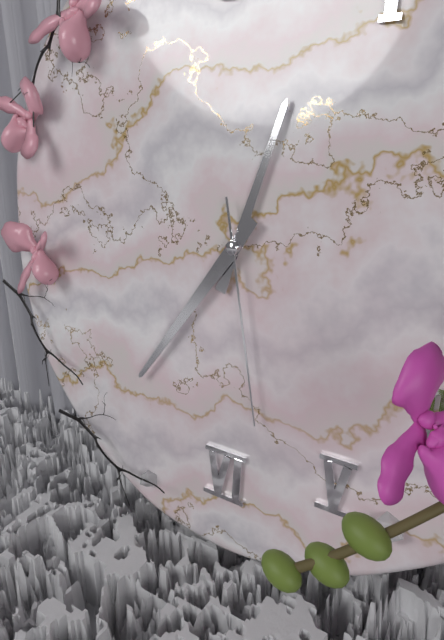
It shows {"hour": 12, "minute": 36, "second": 28}
